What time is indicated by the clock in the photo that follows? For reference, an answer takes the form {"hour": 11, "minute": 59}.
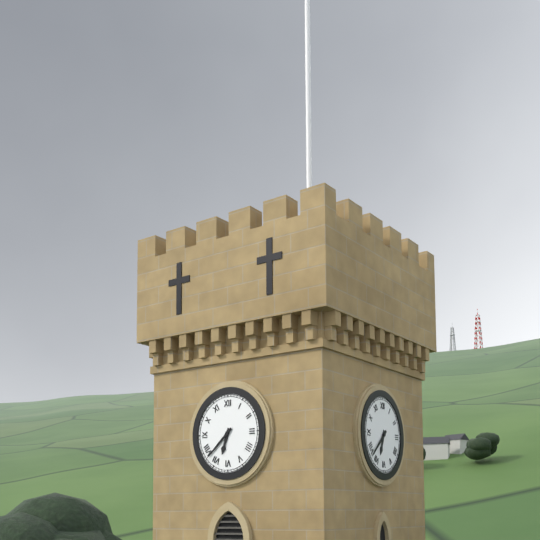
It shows {"hour": 6, "minute": 38}
